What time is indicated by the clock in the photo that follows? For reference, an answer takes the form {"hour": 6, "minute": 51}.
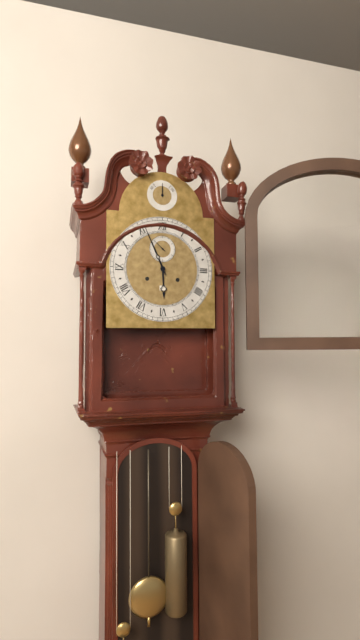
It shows {"hour": 5, "minute": 56}
